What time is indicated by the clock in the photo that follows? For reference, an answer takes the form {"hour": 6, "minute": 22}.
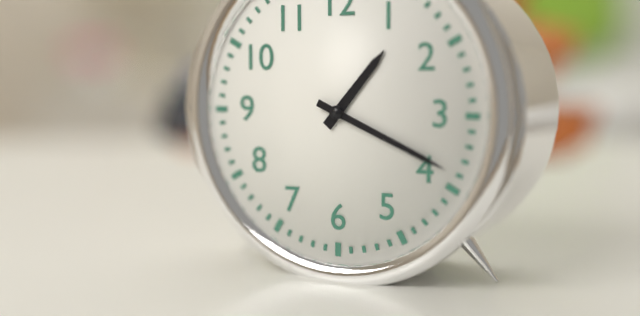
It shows {"hour": 1, "minute": 19}
